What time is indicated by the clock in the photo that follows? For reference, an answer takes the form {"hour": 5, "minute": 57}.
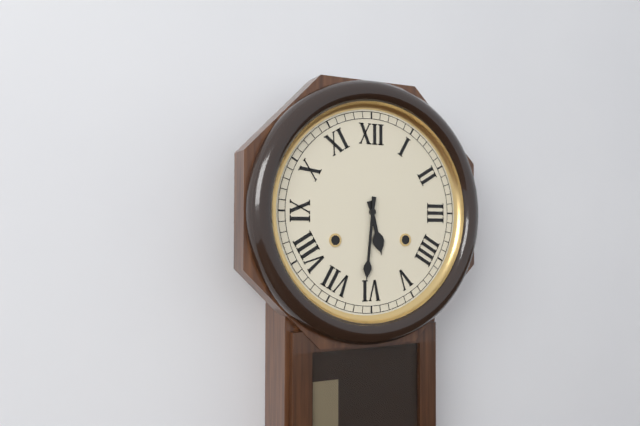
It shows {"hour": 5, "minute": 31}
